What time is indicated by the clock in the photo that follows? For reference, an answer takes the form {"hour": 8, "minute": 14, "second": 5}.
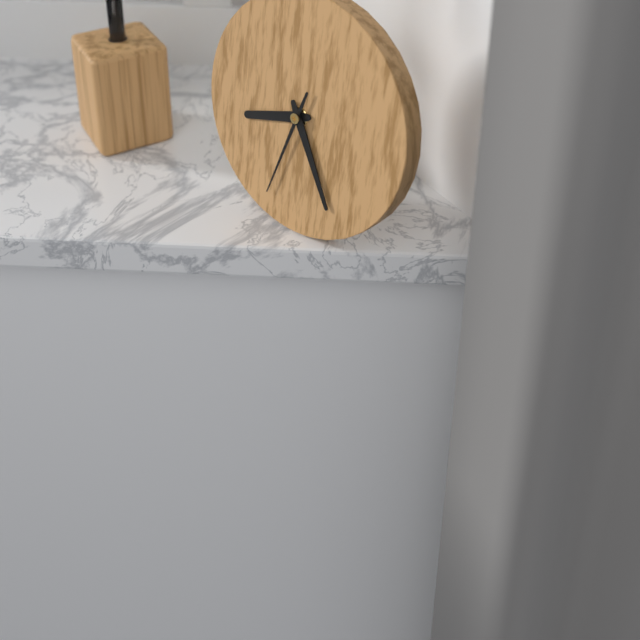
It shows {"hour": 8, "minute": 25, "second": 33}
